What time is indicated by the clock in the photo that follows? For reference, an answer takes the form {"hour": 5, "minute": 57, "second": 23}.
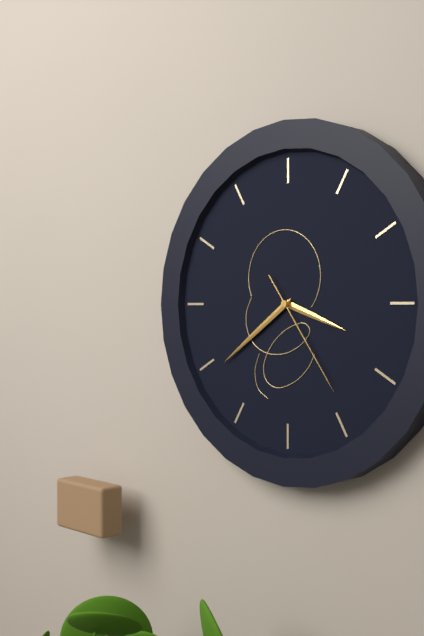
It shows {"hour": 3, "minute": 39, "second": 24}
